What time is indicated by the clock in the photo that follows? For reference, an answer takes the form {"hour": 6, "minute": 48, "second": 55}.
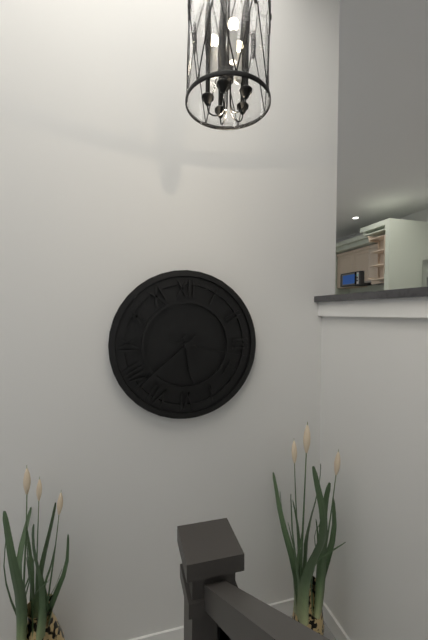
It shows {"hour": 5, "minute": 38, "second": 17}
